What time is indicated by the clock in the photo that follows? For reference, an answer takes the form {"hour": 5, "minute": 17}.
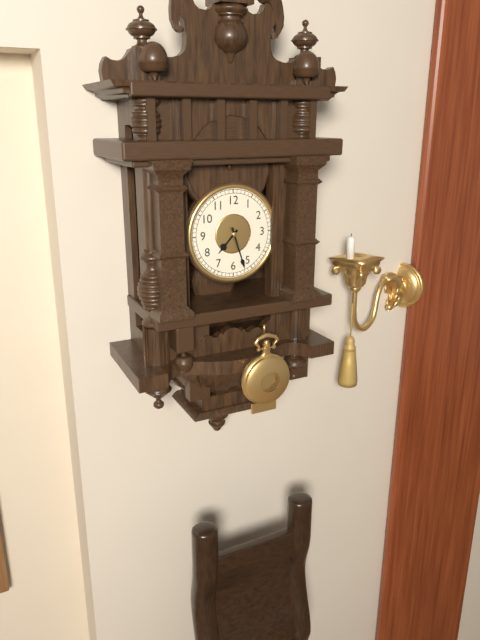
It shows {"hour": 7, "minute": 27}
